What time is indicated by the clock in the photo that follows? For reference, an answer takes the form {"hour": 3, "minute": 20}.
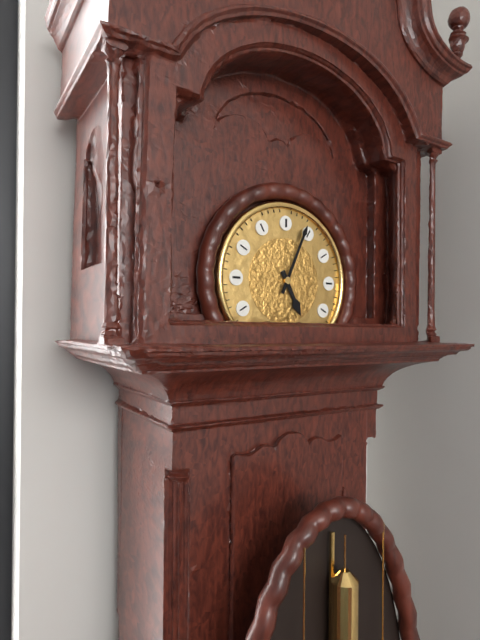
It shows {"hour": 5, "minute": 4}
